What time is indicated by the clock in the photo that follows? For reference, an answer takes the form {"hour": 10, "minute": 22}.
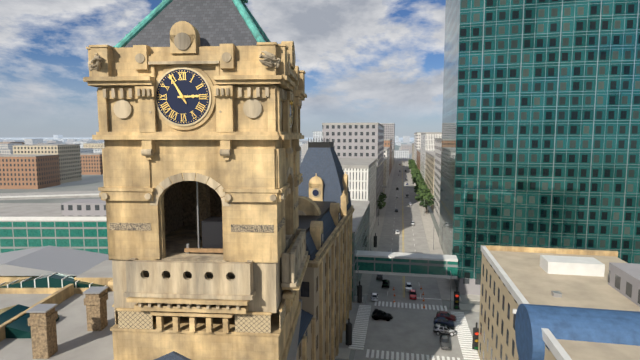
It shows {"hour": 2, "minute": 55}
